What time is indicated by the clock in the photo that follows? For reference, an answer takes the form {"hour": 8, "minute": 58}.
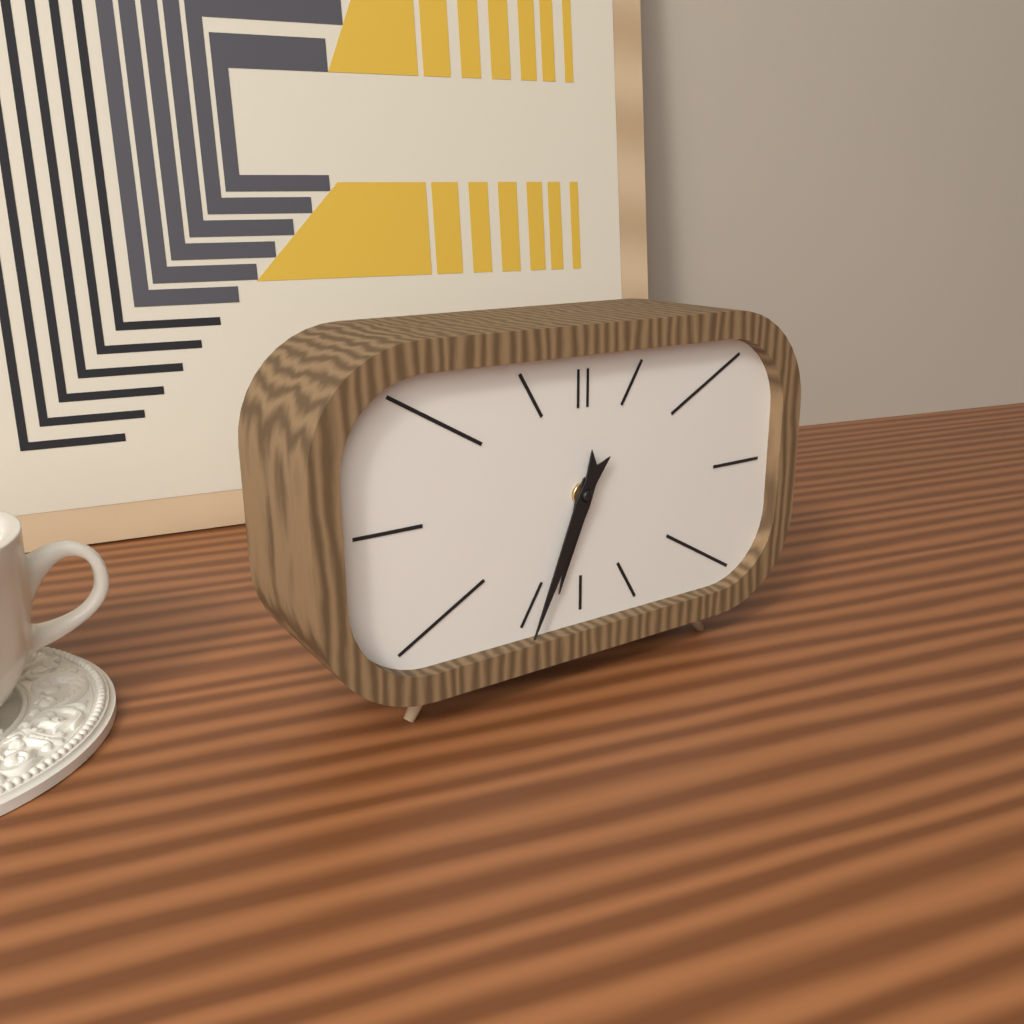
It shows {"hour": 6, "minute": 34}
